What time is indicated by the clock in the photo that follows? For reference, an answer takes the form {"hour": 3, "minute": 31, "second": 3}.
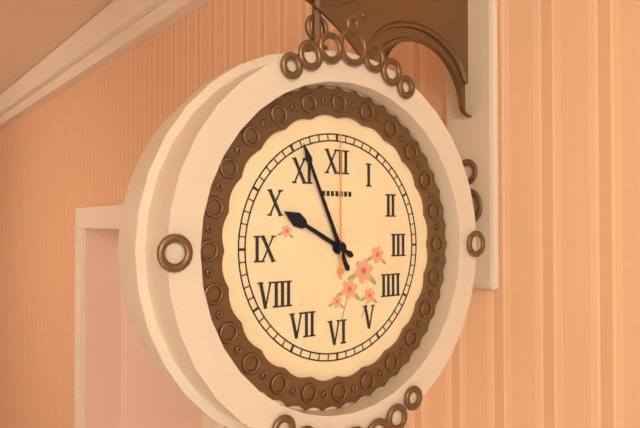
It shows {"hour": 9, "minute": 56, "second": 0}
